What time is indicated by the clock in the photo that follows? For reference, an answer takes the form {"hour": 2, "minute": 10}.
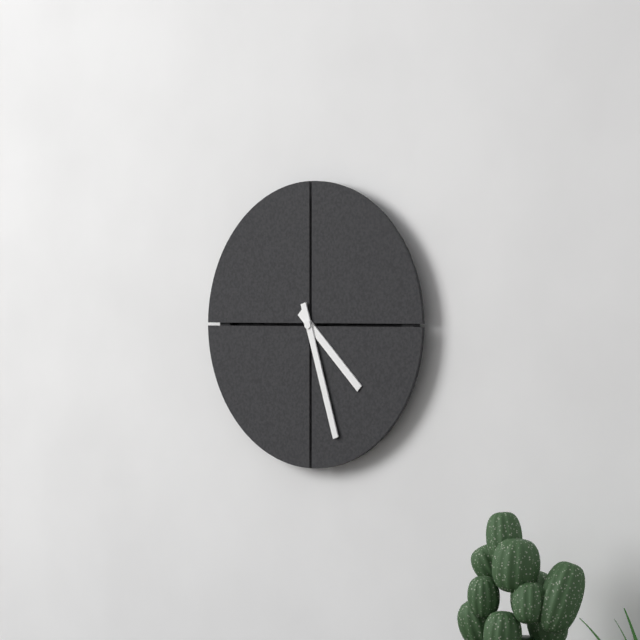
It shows {"hour": 4, "minute": 27}
